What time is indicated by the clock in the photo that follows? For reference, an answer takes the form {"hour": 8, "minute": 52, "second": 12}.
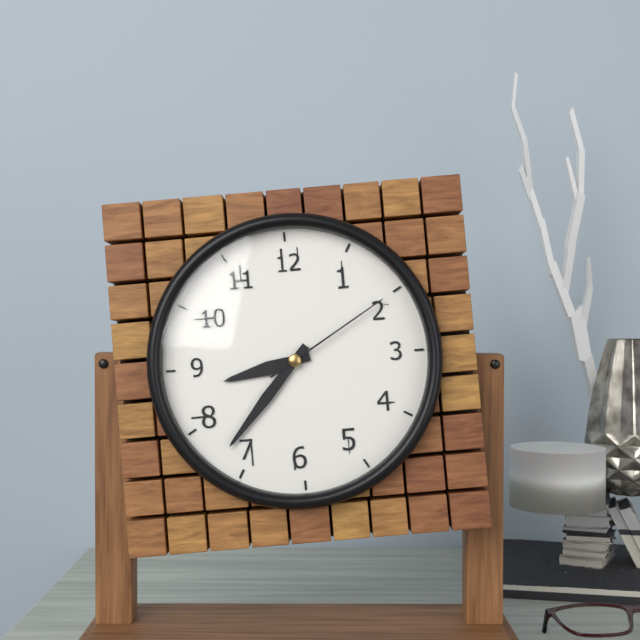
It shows {"hour": 8, "minute": 37, "second": 10}
